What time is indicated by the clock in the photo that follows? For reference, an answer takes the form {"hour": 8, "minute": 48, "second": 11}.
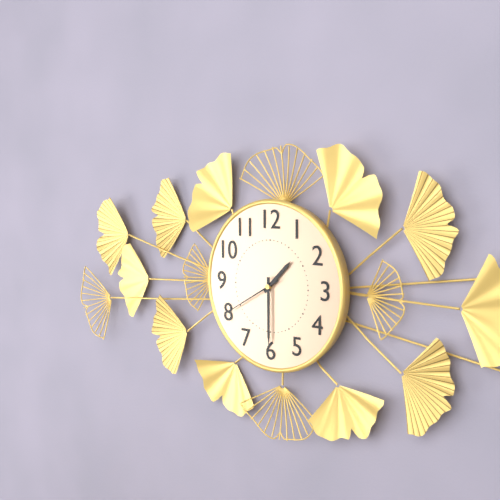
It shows {"hour": 1, "minute": 30, "second": 40}
